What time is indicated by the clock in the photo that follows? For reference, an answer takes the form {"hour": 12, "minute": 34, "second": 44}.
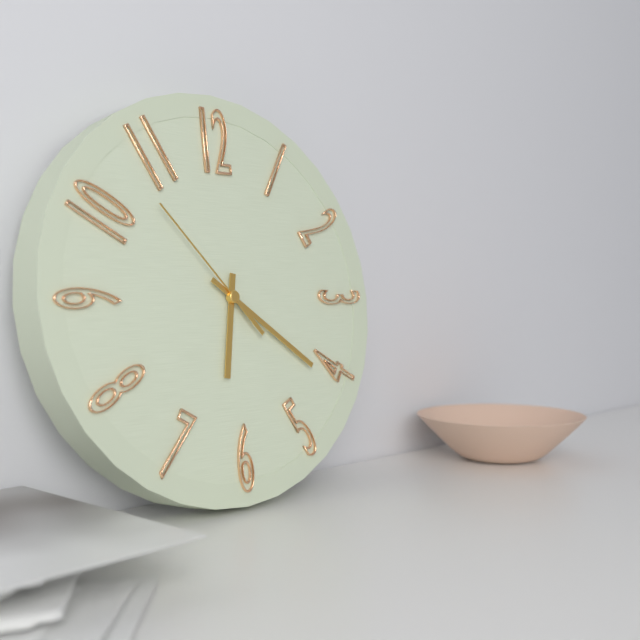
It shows {"hour": 6, "minute": 21, "second": 53}
